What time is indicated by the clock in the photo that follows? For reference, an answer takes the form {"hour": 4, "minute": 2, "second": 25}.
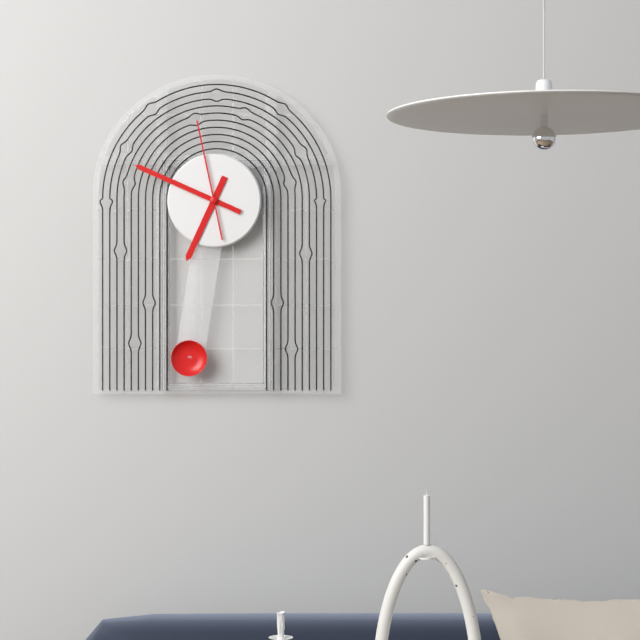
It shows {"hour": 6, "minute": 49, "second": 58}
